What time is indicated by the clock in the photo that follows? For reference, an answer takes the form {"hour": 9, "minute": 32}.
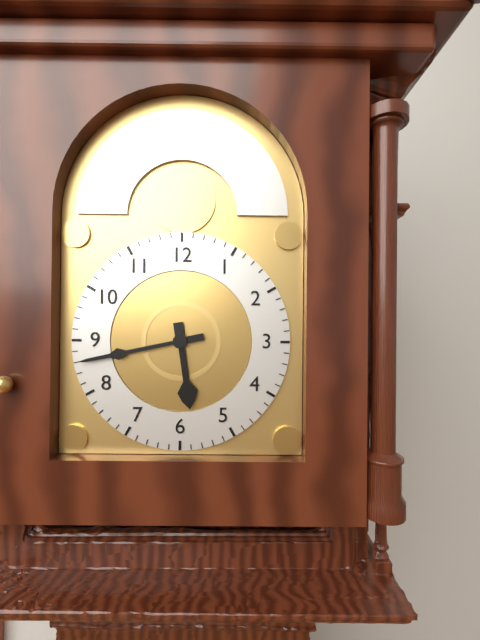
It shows {"hour": 5, "minute": 43}
